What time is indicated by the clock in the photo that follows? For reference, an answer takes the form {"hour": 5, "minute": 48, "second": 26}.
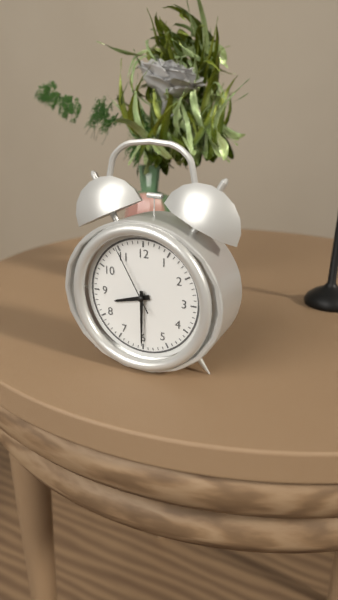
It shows {"hour": 8, "minute": 30, "second": 55}
